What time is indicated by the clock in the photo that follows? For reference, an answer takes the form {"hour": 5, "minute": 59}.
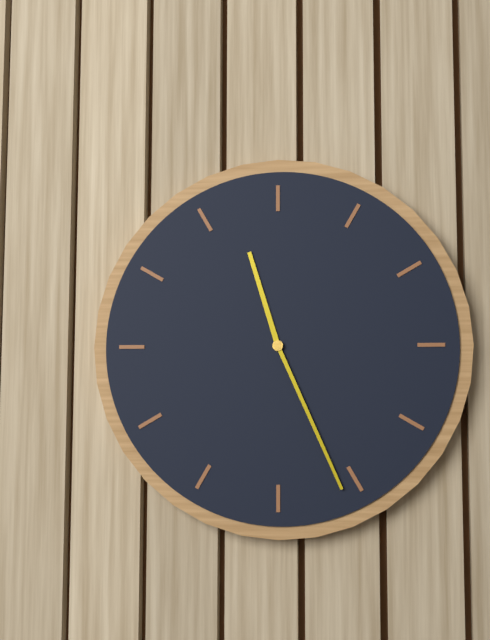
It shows {"hour": 11, "minute": 26}
